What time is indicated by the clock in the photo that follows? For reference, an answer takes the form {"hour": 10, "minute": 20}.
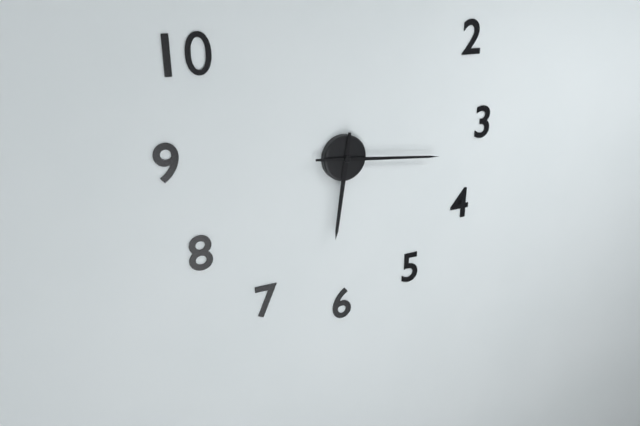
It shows {"hour": 6, "minute": 16}
